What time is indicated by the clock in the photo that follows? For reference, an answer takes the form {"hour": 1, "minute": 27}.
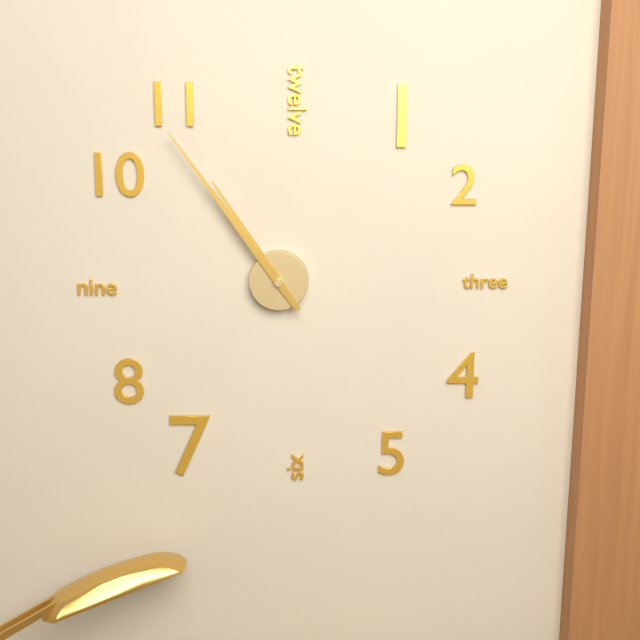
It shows {"hour": 10, "minute": 54}
